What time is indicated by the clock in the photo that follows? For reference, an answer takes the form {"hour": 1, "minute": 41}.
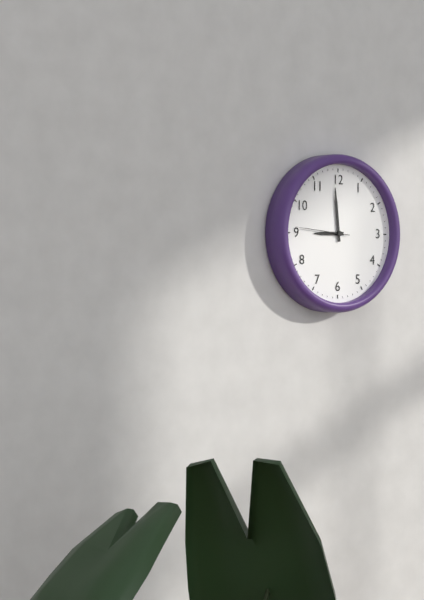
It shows {"hour": 8, "minute": 59}
